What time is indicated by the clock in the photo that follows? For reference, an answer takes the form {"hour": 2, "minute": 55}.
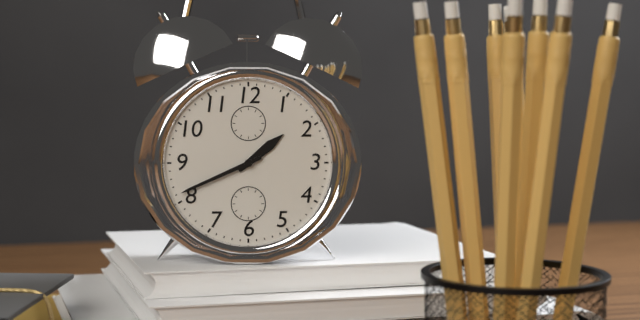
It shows {"hour": 1, "minute": 41}
